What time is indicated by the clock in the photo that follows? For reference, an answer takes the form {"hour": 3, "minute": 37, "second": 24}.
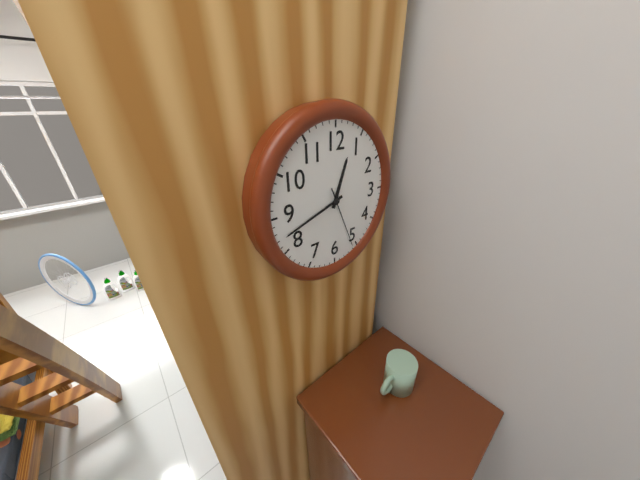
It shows {"hour": 12, "minute": 42, "second": 26}
